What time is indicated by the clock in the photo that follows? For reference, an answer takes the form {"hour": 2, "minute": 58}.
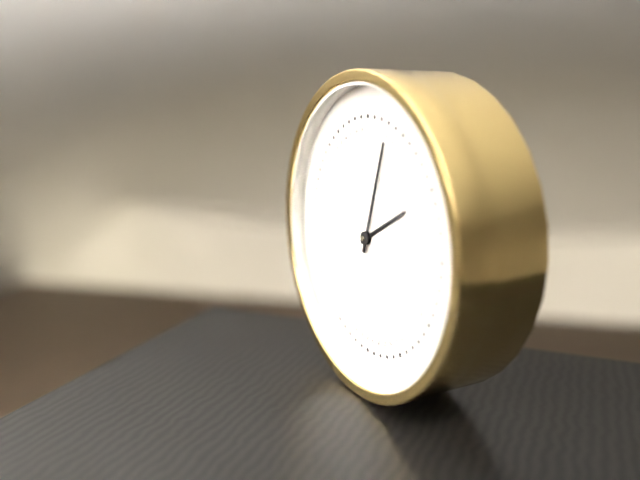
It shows {"hour": 2, "minute": 3}
